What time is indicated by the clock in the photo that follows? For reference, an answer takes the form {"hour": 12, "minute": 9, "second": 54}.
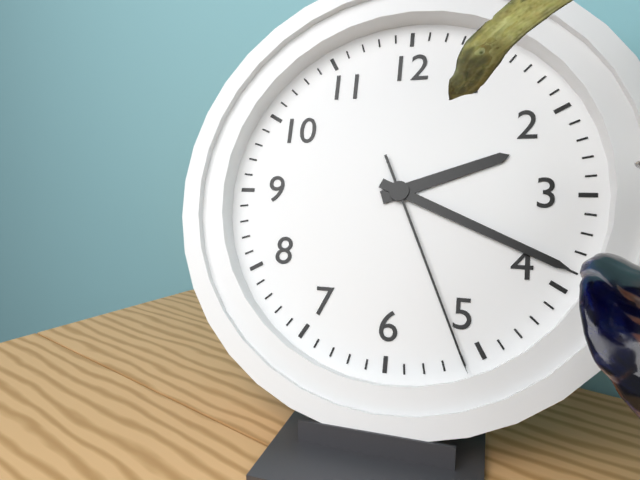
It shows {"hour": 2, "minute": 19, "second": 26}
